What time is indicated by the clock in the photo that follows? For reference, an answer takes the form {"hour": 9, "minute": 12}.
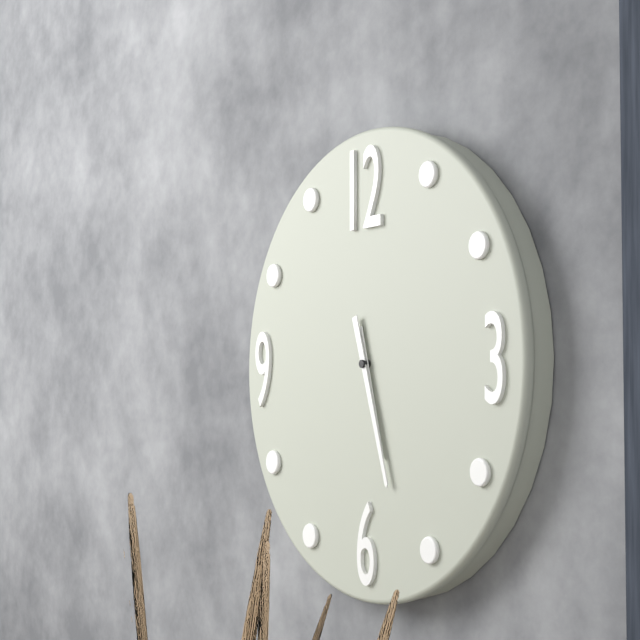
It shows {"hour": 5, "minute": 27}
